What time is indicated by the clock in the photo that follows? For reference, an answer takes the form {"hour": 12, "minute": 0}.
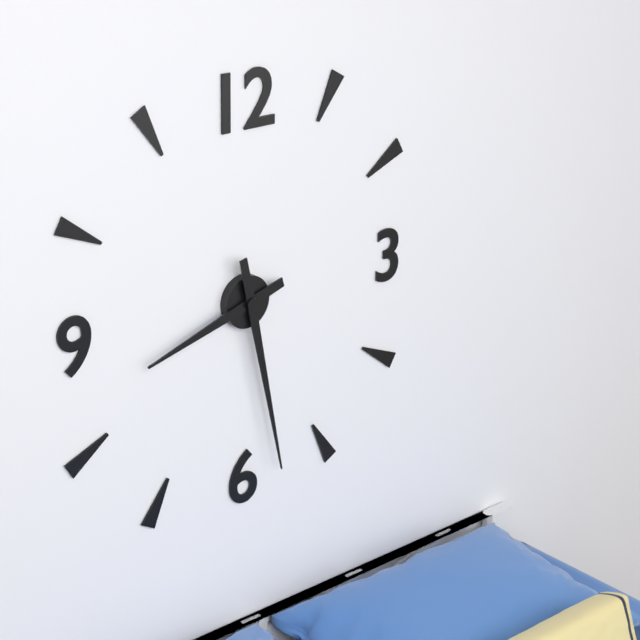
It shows {"hour": 8, "minute": 28}
